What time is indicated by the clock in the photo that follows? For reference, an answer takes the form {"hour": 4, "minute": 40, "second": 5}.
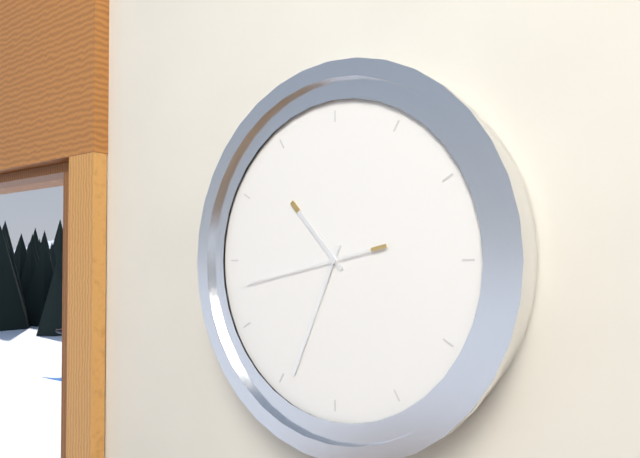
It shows {"hour": 10, "minute": 34, "second": 43}
